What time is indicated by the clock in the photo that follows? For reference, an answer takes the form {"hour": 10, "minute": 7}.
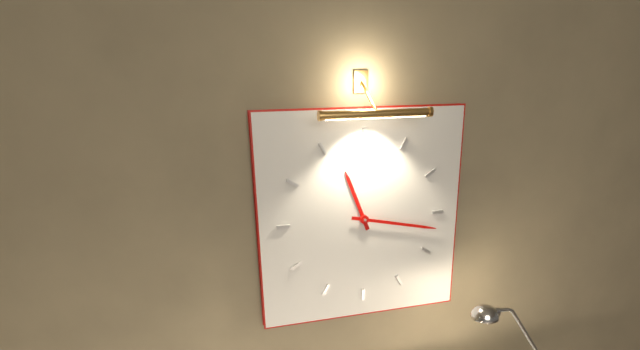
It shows {"hour": 11, "minute": 17}
